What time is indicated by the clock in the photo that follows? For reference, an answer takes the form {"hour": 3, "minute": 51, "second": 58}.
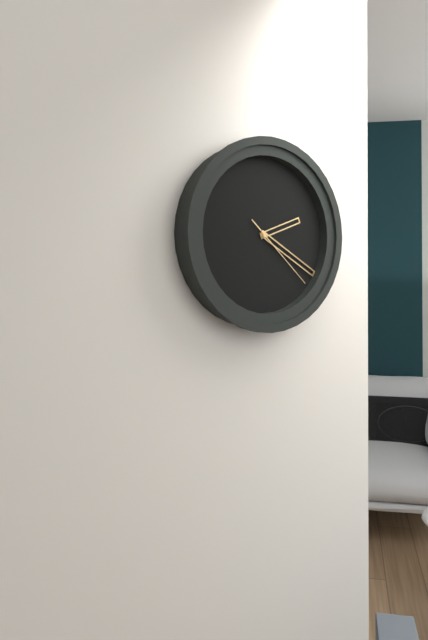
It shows {"hour": 2, "minute": 20, "second": 22}
